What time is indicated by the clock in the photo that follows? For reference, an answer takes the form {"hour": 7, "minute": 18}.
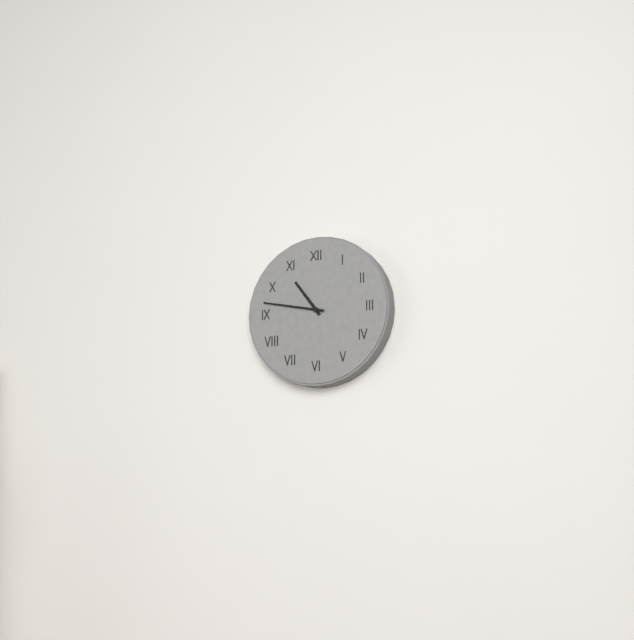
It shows {"hour": 10, "minute": 47}
